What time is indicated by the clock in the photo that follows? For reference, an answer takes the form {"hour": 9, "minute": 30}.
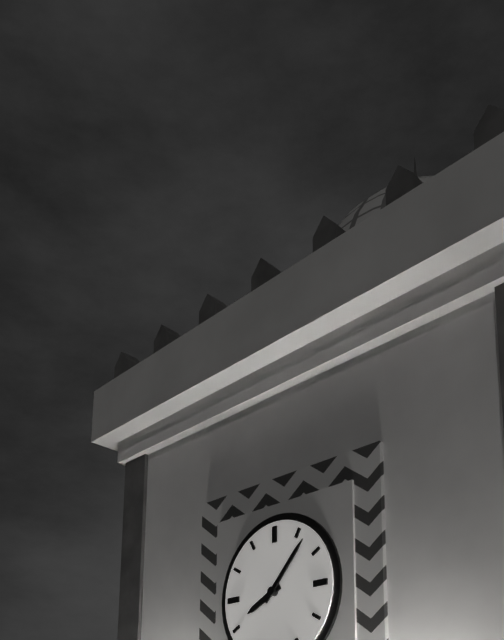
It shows {"hour": 8, "minute": 7}
